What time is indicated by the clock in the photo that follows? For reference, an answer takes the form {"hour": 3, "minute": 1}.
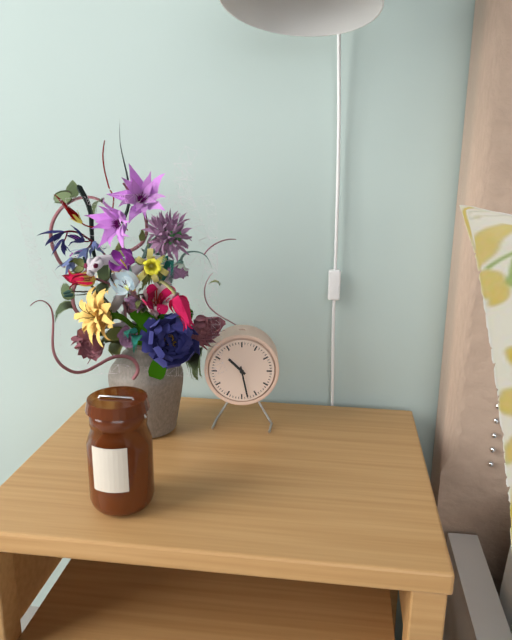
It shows {"hour": 10, "minute": 28}
